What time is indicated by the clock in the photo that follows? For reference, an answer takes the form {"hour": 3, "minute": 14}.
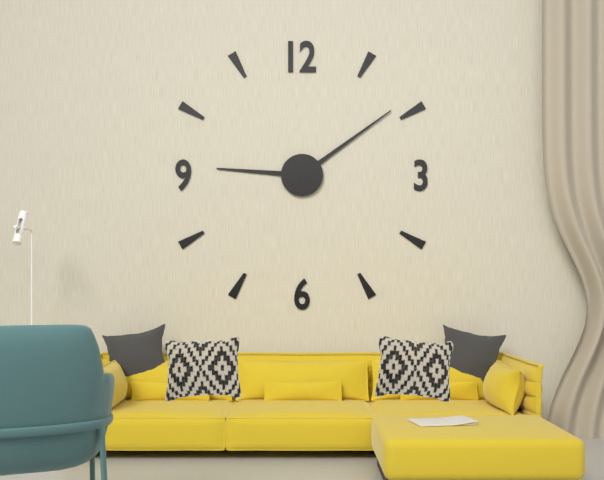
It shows {"hour": 9, "minute": 9}
